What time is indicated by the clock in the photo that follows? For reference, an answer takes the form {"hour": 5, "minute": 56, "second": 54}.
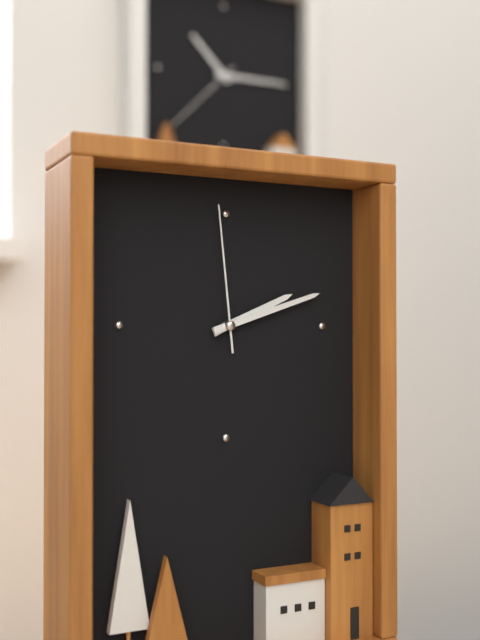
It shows {"hour": 2, "minute": 12, "second": 59}
